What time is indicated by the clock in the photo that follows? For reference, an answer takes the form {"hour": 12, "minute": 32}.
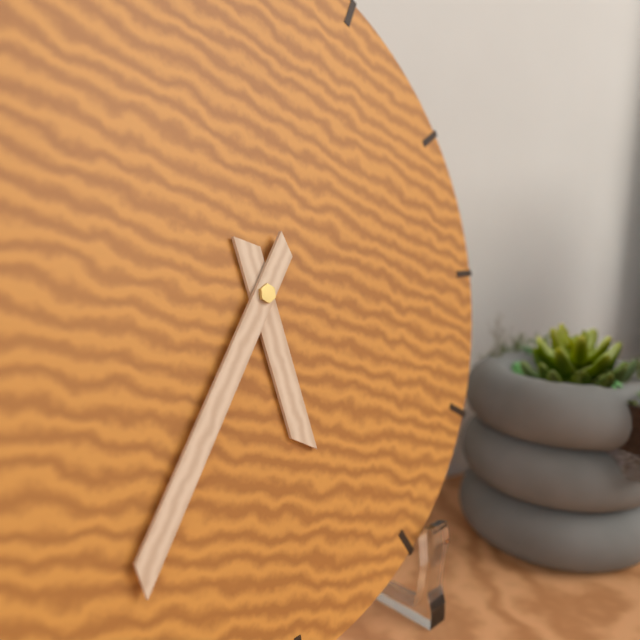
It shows {"hour": 5, "minute": 36}
